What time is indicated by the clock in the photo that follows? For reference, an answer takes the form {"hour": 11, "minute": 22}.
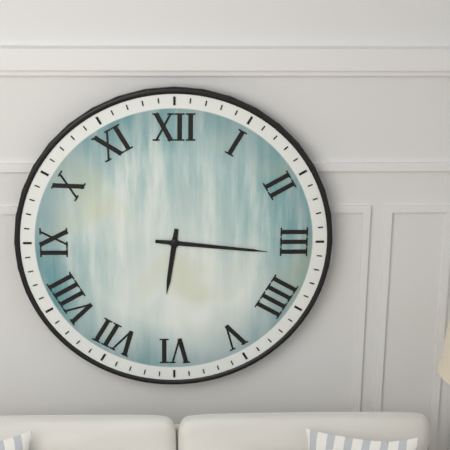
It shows {"hour": 6, "minute": 16}
